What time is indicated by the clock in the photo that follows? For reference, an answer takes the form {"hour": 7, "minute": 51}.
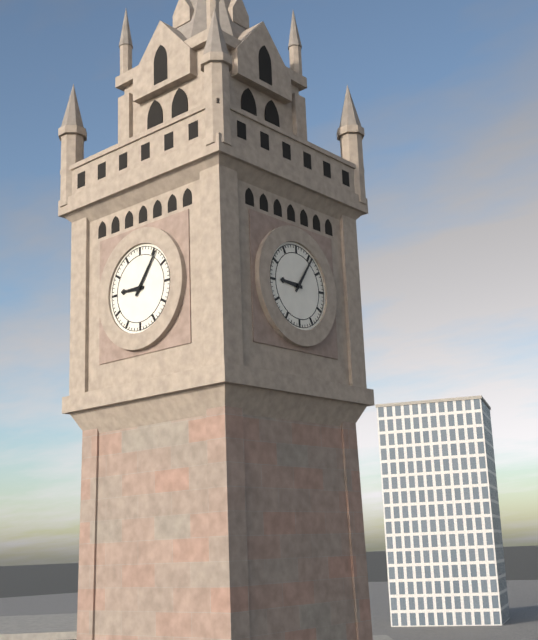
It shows {"hour": 9, "minute": 6}
